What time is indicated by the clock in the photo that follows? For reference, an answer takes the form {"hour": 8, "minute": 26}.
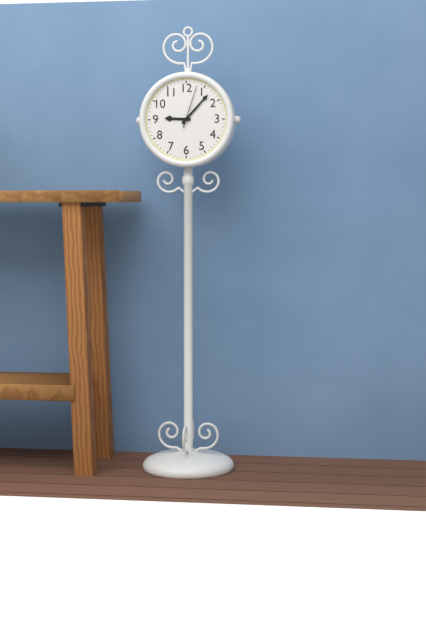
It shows {"hour": 9, "minute": 7}
